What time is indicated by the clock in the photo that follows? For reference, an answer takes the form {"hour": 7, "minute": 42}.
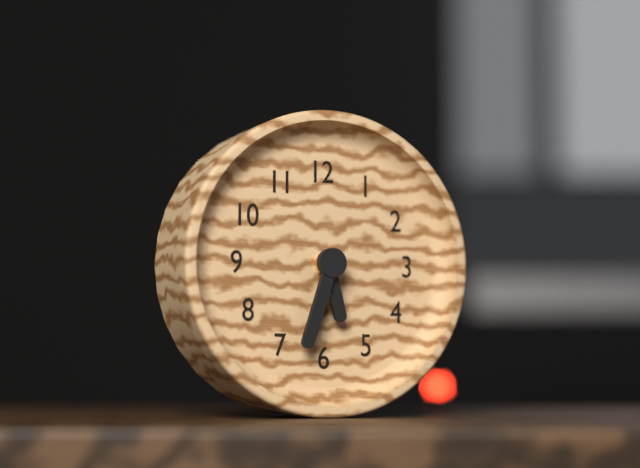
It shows {"hour": 5, "minute": 33}
